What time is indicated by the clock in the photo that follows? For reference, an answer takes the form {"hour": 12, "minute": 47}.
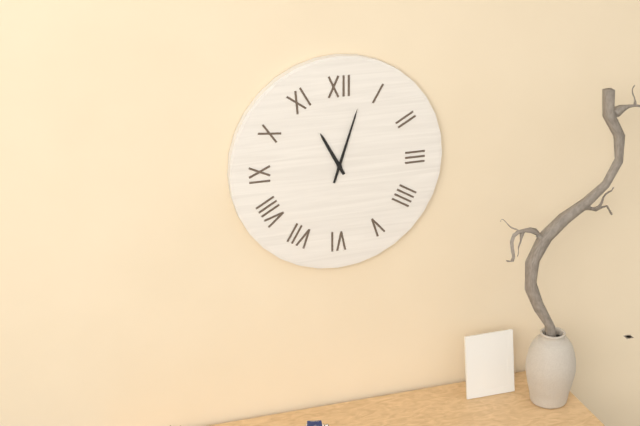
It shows {"hour": 11, "minute": 3}
